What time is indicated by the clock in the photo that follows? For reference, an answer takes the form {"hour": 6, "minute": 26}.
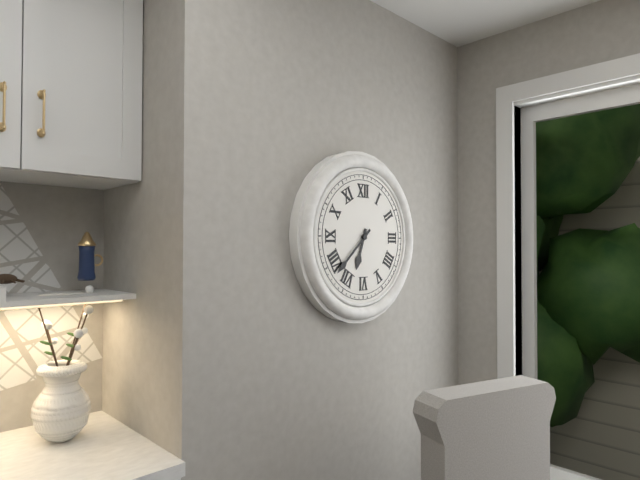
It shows {"hour": 6, "minute": 38}
